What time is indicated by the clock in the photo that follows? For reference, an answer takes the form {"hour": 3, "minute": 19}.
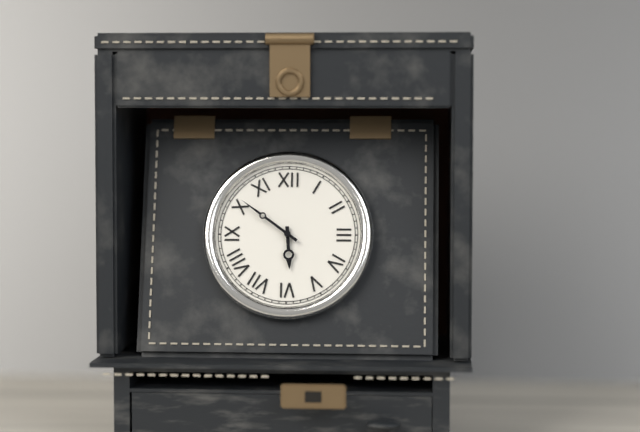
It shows {"hour": 5, "minute": 51}
